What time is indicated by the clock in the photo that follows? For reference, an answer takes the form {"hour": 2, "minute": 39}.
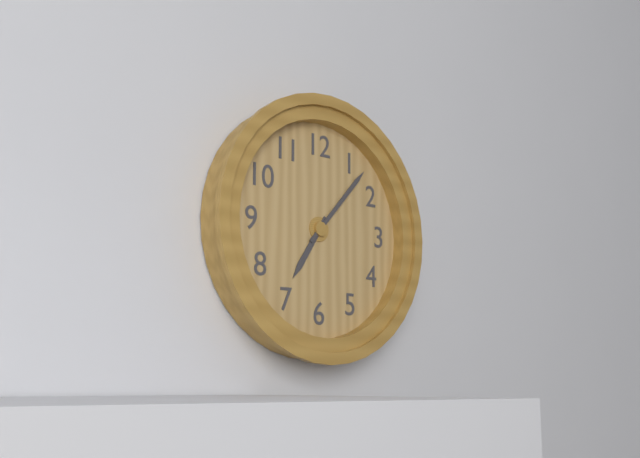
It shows {"hour": 7, "minute": 7}
